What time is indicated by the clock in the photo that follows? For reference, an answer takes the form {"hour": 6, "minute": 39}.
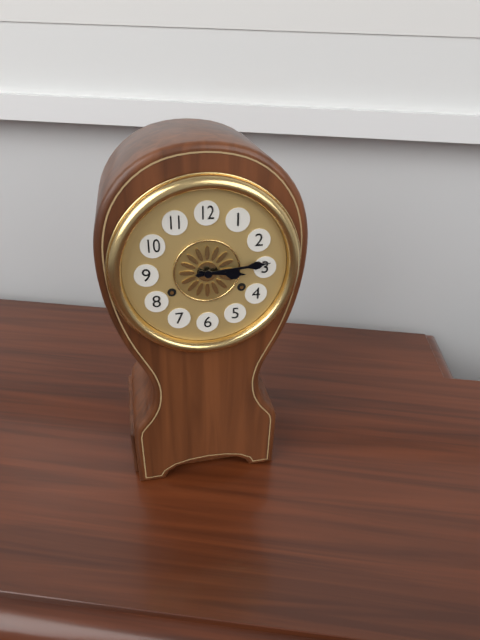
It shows {"hour": 3, "minute": 14}
